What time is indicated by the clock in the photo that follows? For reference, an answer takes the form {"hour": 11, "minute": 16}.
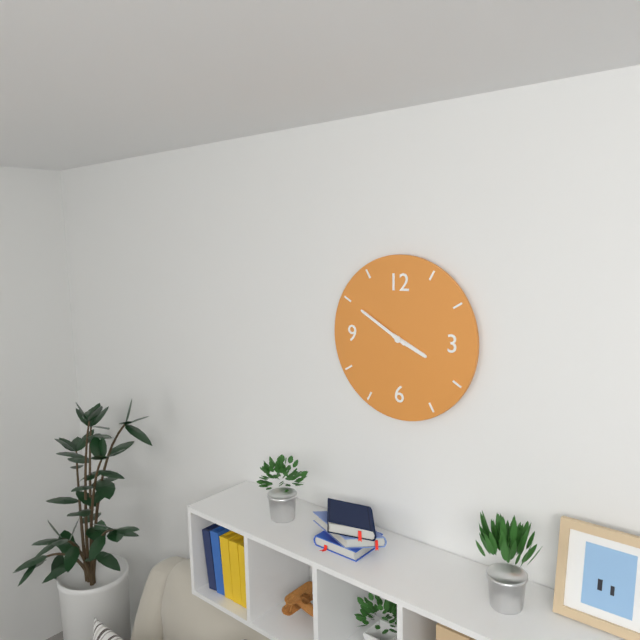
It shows {"hour": 3, "minute": 50}
